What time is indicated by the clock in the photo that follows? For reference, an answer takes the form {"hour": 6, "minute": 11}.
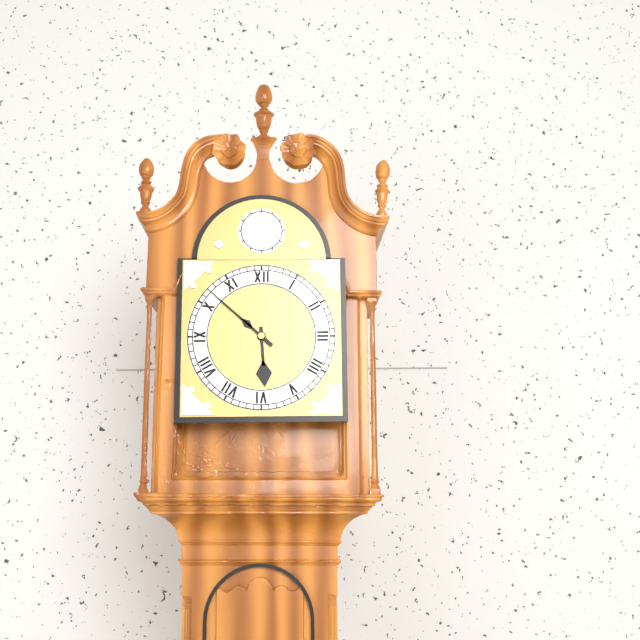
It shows {"hour": 5, "minute": 52}
